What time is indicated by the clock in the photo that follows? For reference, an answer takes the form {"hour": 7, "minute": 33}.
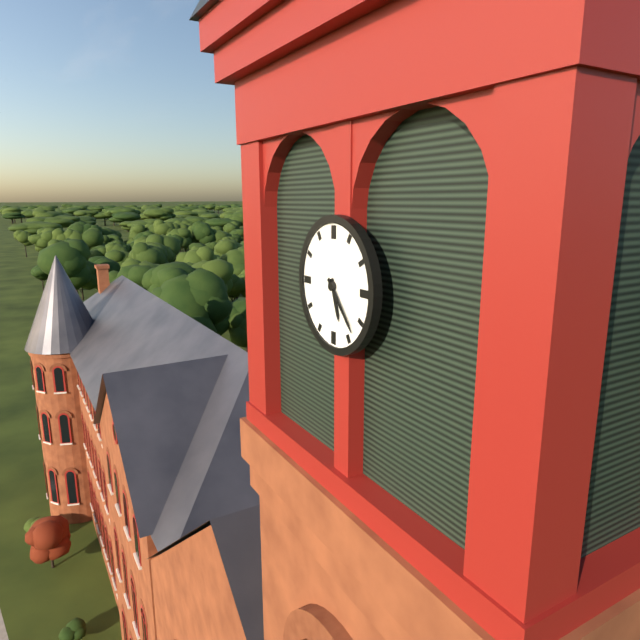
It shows {"hour": 5, "minute": 23}
